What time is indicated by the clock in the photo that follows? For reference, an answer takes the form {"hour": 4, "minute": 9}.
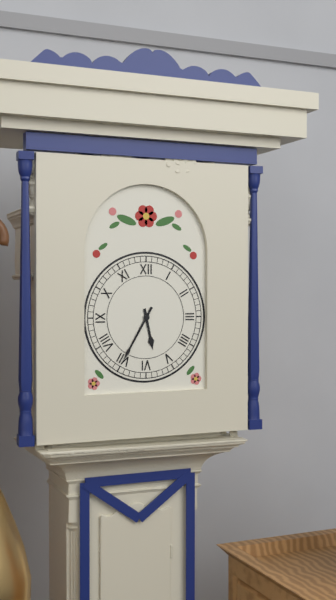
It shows {"hour": 5, "minute": 35}
